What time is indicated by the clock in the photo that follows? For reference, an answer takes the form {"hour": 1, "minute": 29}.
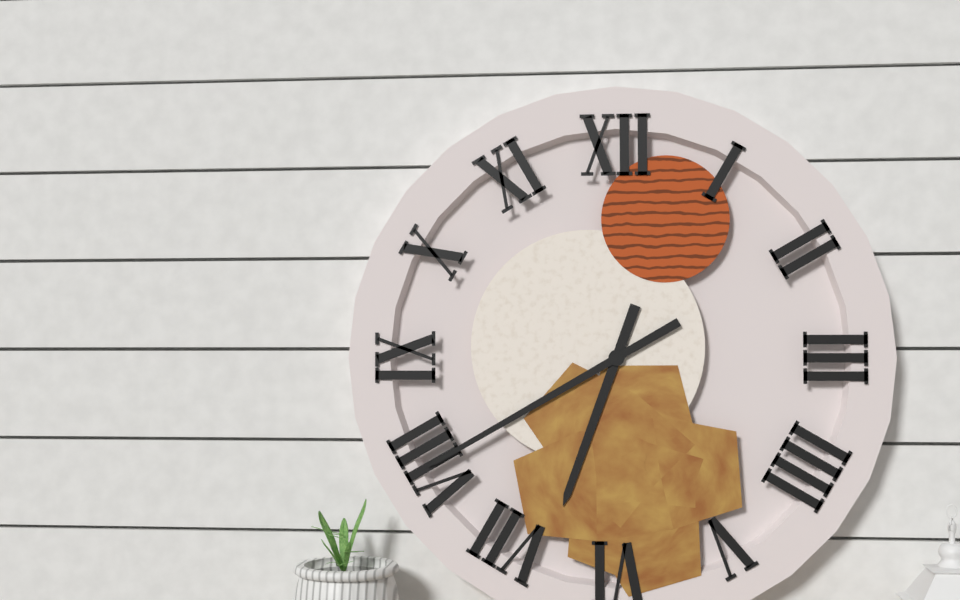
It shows {"hour": 6, "minute": 40}
